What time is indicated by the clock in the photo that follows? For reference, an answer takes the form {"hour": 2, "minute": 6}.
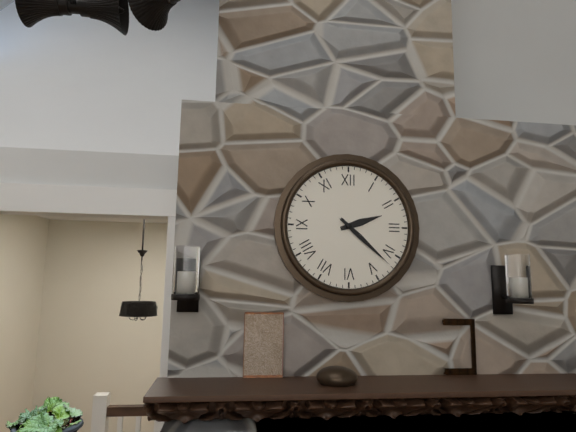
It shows {"hour": 2, "minute": 22}
